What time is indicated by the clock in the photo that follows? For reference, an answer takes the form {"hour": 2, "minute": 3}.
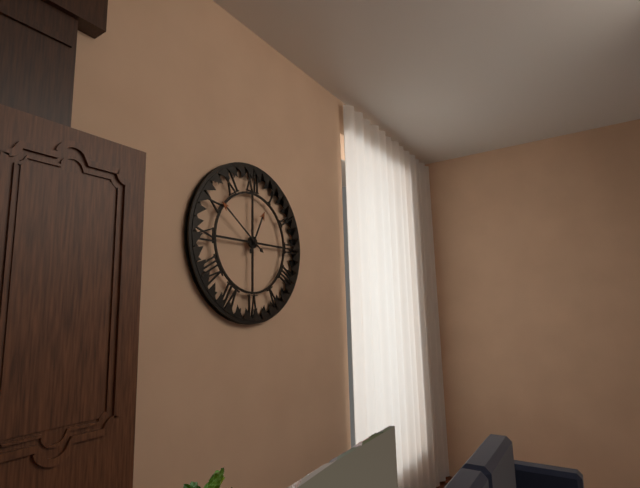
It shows {"hour": 12, "minute": 51}
